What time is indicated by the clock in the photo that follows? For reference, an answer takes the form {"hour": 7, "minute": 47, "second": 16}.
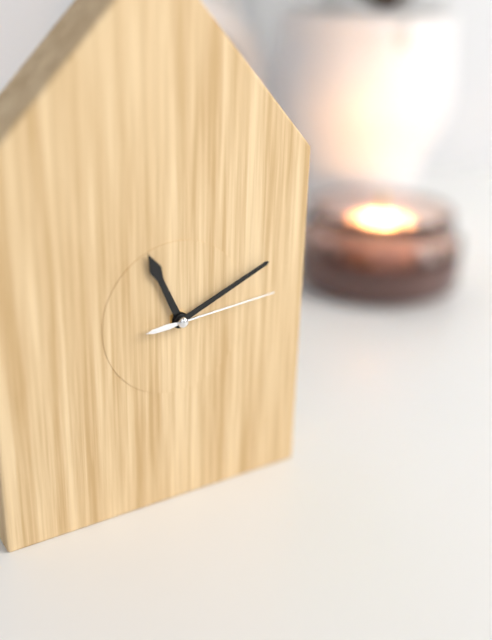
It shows {"hour": 11, "minute": 11, "second": 14}
